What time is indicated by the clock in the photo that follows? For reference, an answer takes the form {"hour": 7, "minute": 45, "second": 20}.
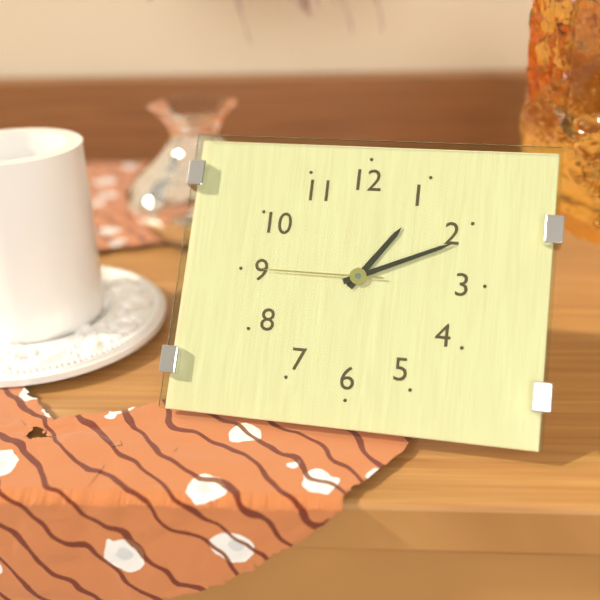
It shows {"hour": 1, "minute": 11, "second": 45}
